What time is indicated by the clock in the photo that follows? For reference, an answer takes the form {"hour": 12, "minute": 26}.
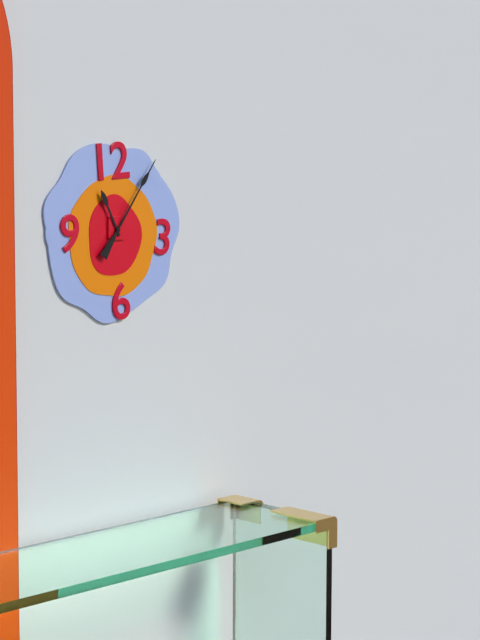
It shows {"hour": 11, "minute": 6}
